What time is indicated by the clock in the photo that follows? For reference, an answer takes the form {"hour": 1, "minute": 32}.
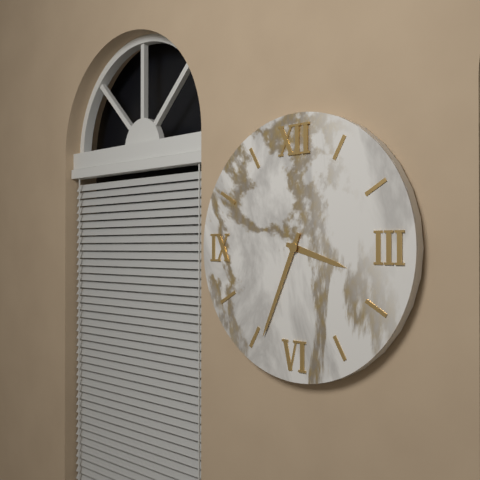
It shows {"hour": 3, "minute": 34}
